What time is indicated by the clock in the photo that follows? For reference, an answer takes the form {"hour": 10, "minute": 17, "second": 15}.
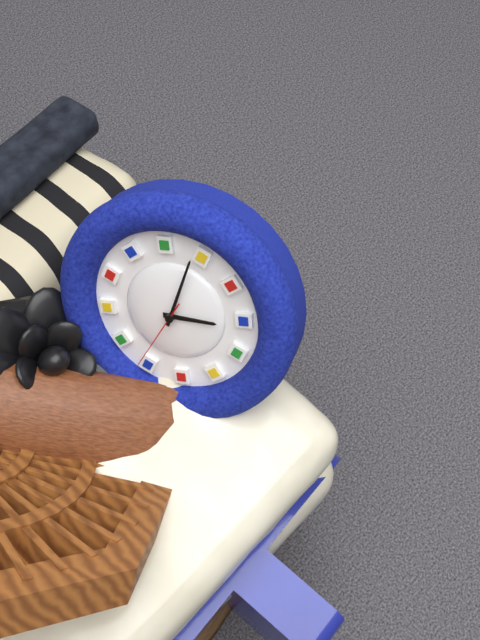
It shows {"hour": 4, "minute": 9, "second": 41}
